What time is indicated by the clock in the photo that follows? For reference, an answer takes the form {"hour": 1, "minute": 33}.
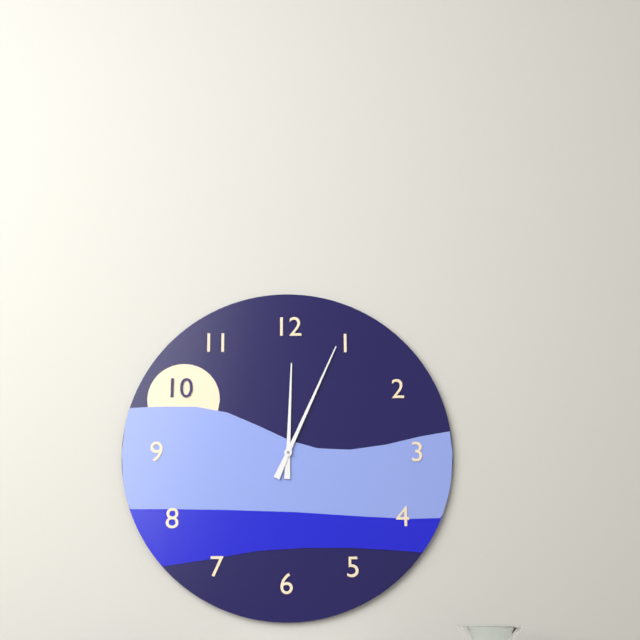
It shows {"hour": 12, "minute": 4}
